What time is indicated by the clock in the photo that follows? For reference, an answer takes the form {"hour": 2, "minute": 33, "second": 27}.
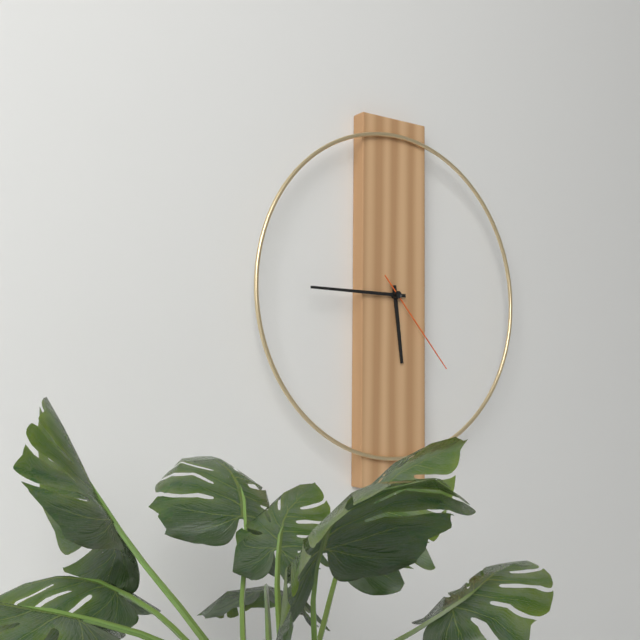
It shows {"hour": 5, "minute": 45, "second": 23}
